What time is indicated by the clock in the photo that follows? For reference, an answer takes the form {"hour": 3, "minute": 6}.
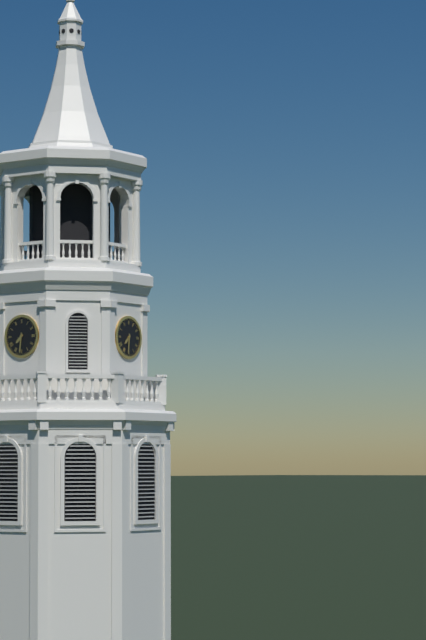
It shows {"hour": 7, "minute": 31}
